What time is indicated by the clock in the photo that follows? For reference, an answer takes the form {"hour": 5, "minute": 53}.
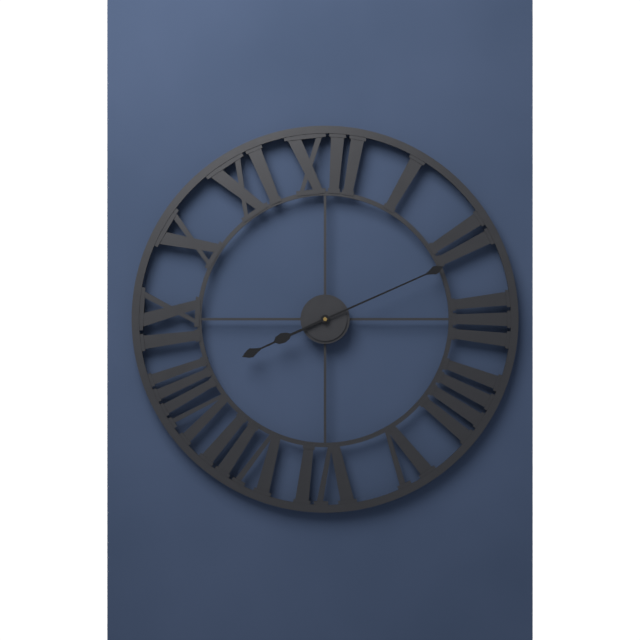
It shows {"hour": 8, "minute": 11}
